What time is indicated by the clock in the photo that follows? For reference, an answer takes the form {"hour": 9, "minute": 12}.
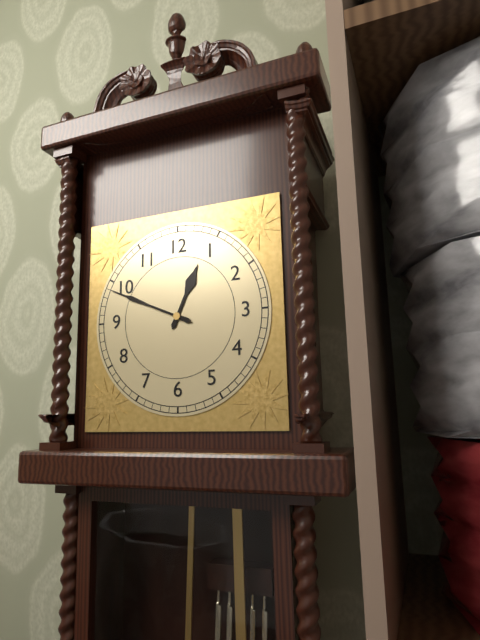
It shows {"hour": 12, "minute": 49}
